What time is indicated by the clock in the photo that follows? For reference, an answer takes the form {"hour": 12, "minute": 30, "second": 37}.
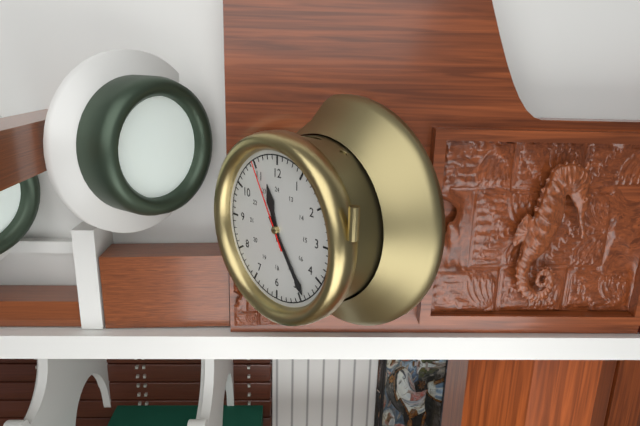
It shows {"hour": 11, "minute": 24, "second": 55}
